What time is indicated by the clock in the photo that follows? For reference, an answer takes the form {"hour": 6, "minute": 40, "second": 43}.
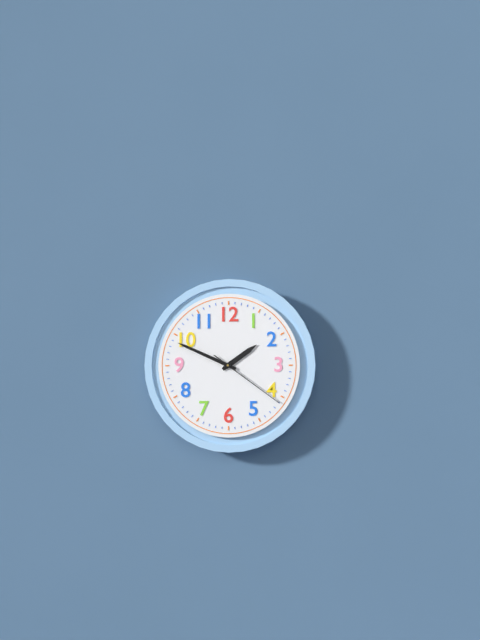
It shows {"hour": 1, "minute": 49, "second": 21}
